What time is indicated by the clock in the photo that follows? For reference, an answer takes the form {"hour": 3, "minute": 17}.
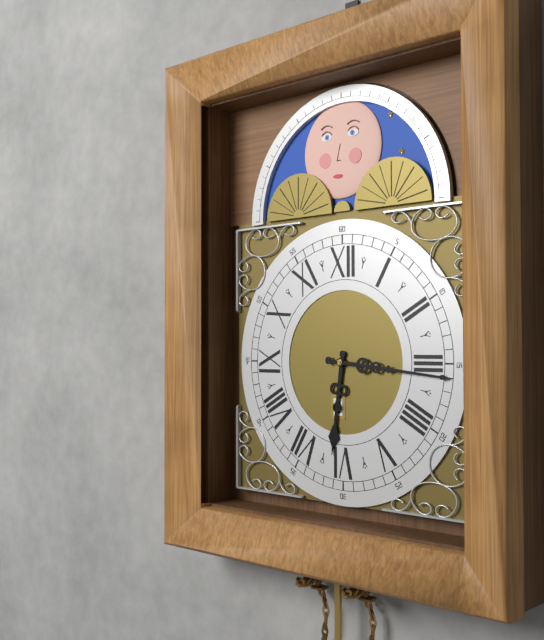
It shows {"hour": 6, "minute": 16}
